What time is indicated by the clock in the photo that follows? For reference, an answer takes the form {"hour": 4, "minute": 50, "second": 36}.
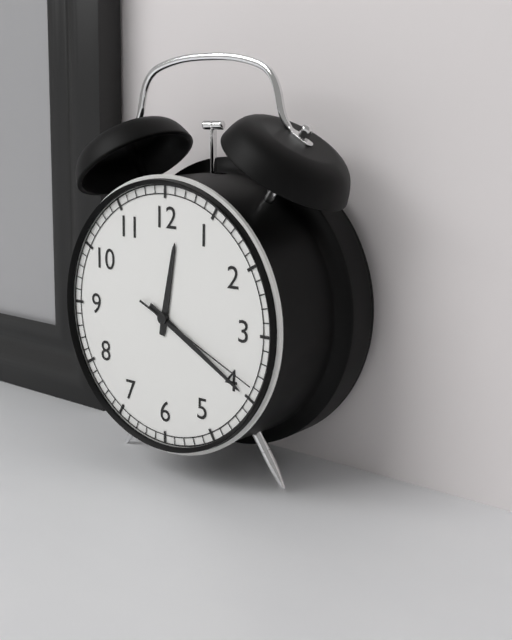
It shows {"hour": 12, "minute": 20, "second": 19}
